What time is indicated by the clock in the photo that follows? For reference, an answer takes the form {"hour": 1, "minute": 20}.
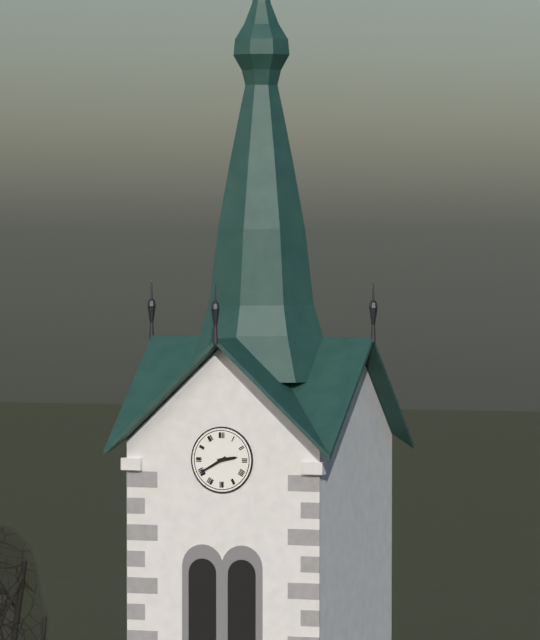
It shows {"hour": 2, "minute": 40}
